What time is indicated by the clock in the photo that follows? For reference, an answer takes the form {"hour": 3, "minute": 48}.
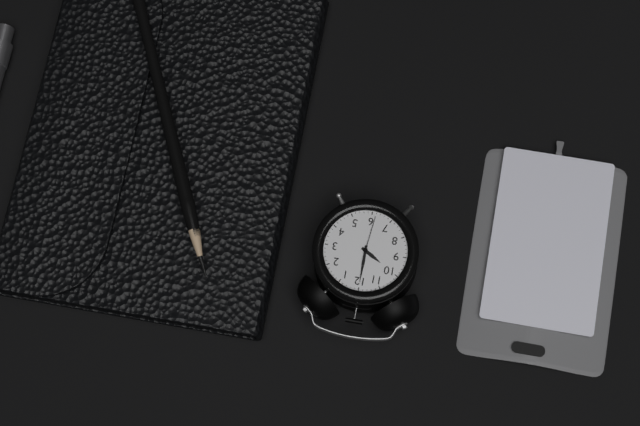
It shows {"hour": 10, "minute": 0}
